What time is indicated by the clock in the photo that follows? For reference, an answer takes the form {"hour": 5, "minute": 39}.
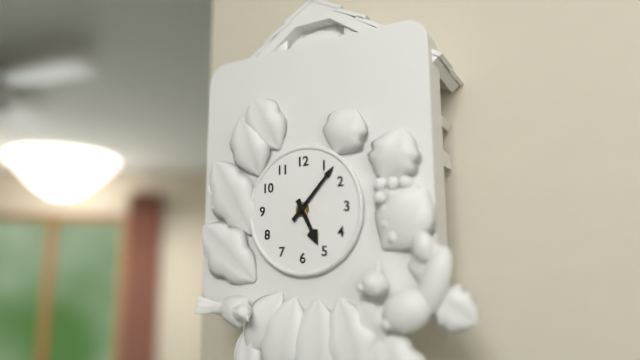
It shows {"hour": 5, "minute": 7}
